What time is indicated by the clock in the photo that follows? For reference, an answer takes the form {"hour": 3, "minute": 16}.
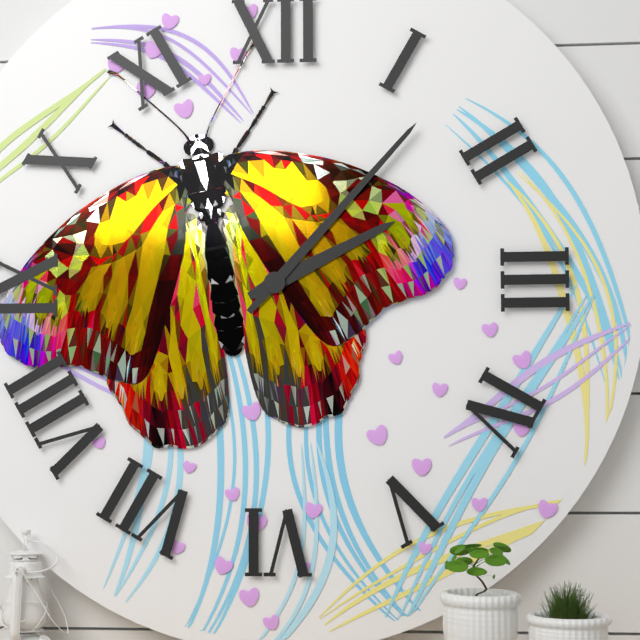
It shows {"hour": 2, "minute": 7}
